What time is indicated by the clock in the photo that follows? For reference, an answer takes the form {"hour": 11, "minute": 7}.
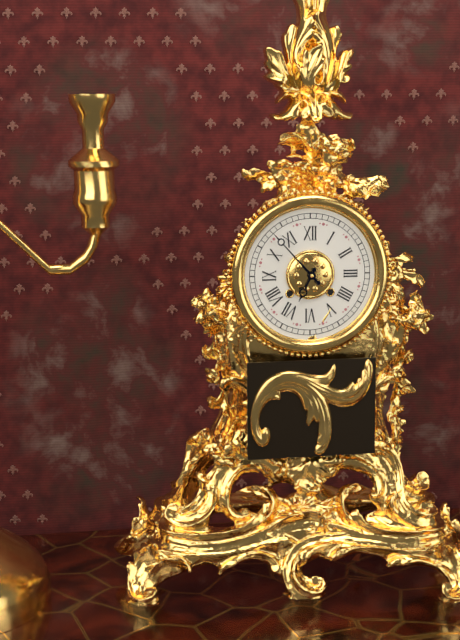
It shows {"hour": 6, "minute": 53}
